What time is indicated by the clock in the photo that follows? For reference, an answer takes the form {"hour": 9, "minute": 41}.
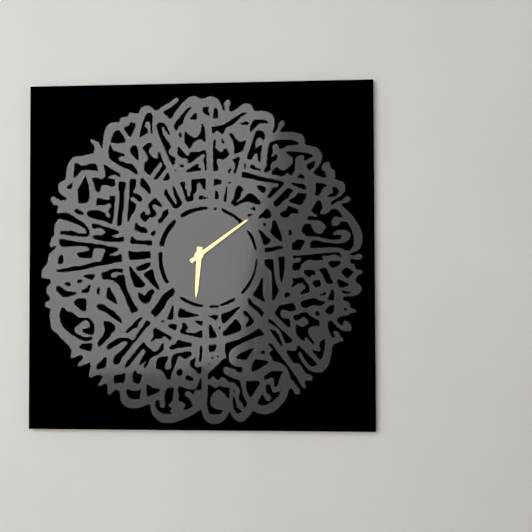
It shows {"hour": 6, "minute": 9}
